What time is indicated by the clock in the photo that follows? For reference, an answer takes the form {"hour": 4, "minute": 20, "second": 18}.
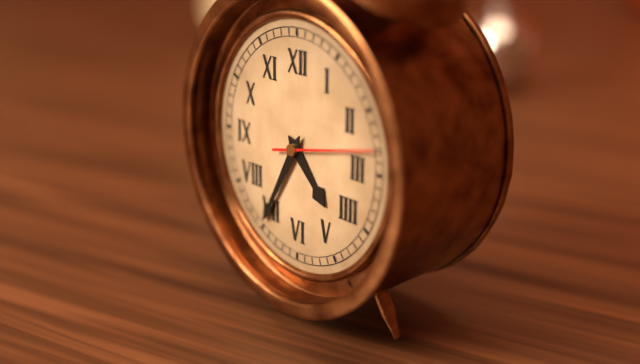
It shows {"hour": 4, "minute": 35, "second": 13}
